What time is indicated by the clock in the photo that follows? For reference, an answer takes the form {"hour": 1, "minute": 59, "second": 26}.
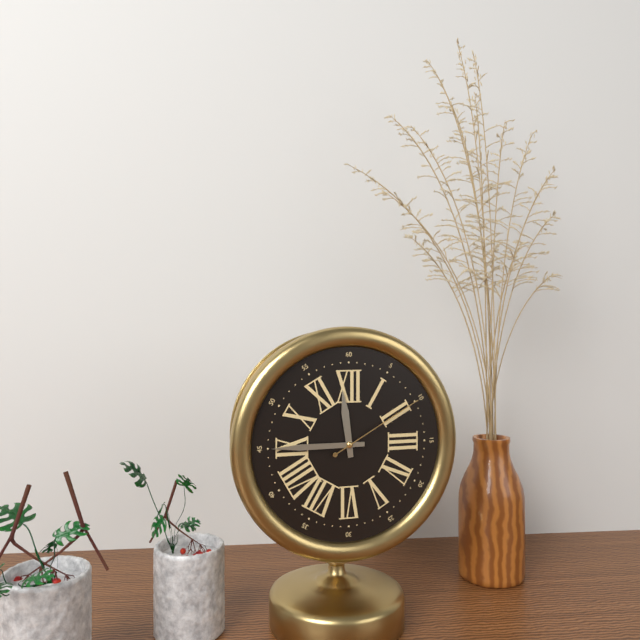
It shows {"hour": 11, "minute": 45, "second": 10}
